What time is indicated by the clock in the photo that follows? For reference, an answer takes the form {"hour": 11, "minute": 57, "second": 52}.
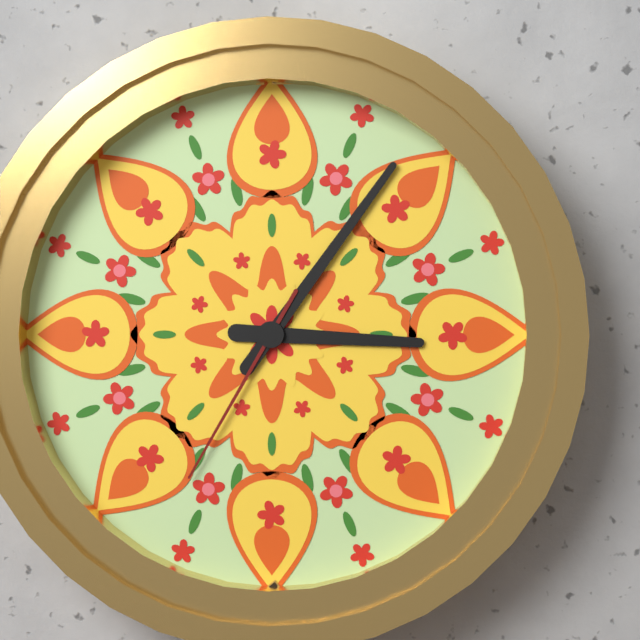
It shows {"hour": 3, "minute": 6, "second": 35}
